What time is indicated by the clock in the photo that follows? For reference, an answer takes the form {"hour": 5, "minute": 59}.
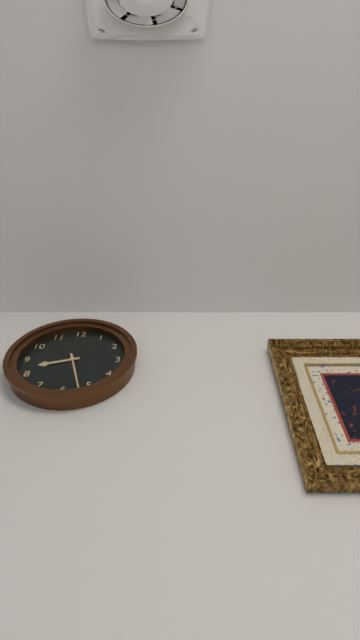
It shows {"hour": 8, "minute": 27}
